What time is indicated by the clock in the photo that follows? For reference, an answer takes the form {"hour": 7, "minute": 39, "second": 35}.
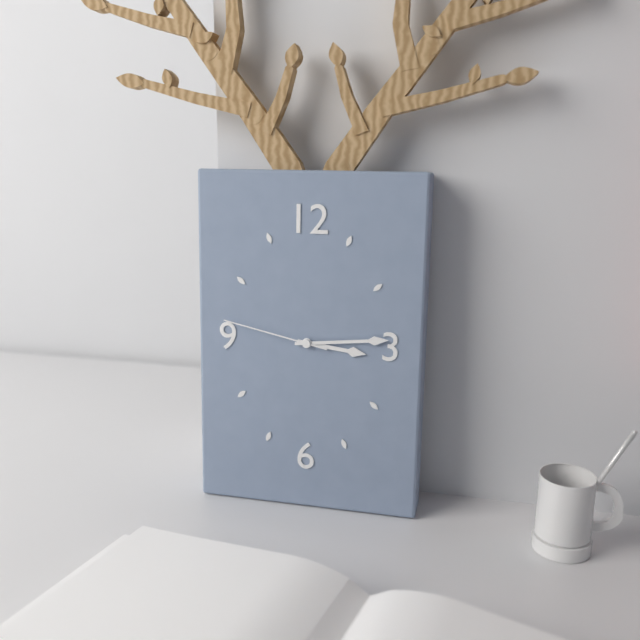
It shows {"hour": 3, "minute": 14, "second": 47}
